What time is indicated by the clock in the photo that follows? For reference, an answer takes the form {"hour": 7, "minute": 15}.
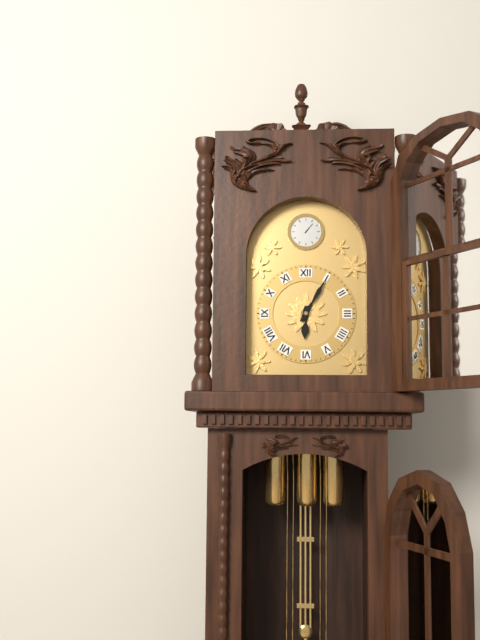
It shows {"hour": 6, "minute": 5}
